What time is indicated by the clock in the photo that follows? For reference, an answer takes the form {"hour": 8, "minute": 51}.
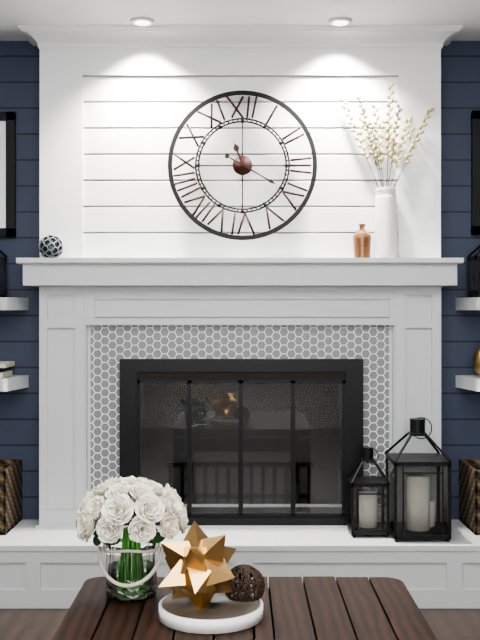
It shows {"hour": 11, "minute": 20}
